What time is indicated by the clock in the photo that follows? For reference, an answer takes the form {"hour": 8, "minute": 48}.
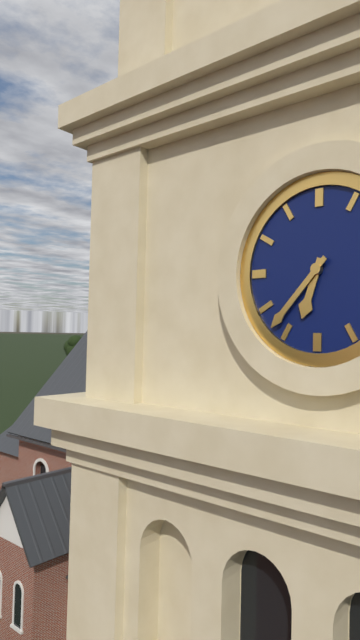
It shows {"hour": 6, "minute": 37}
